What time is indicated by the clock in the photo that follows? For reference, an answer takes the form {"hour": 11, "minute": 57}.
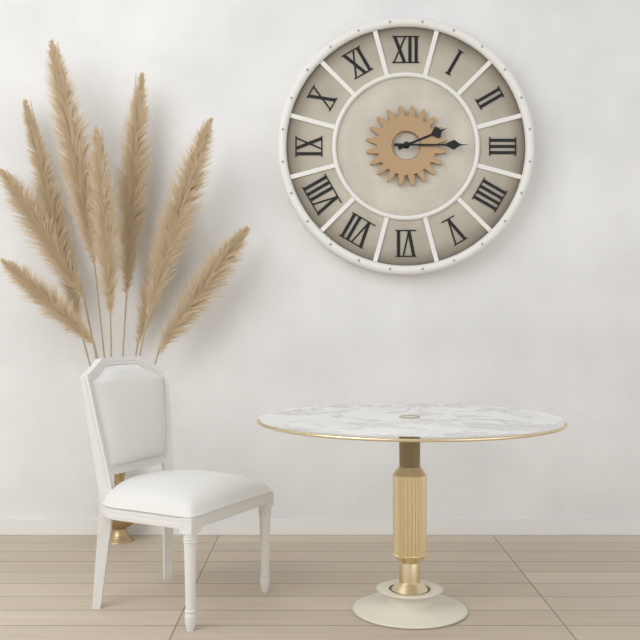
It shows {"hour": 2, "minute": 15}
